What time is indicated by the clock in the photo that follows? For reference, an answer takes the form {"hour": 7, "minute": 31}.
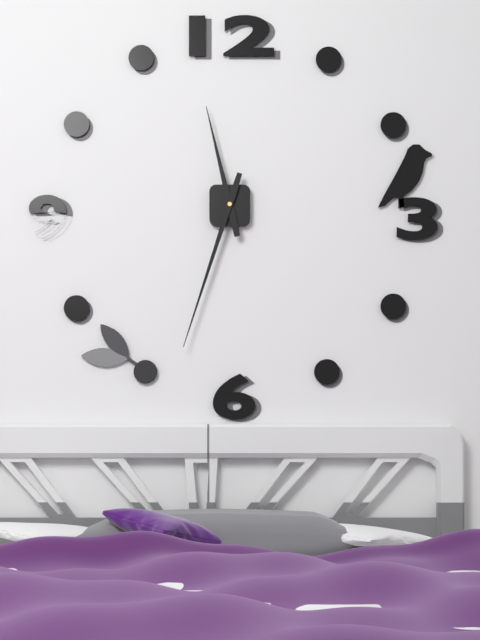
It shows {"hour": 11, "minute": 33}
